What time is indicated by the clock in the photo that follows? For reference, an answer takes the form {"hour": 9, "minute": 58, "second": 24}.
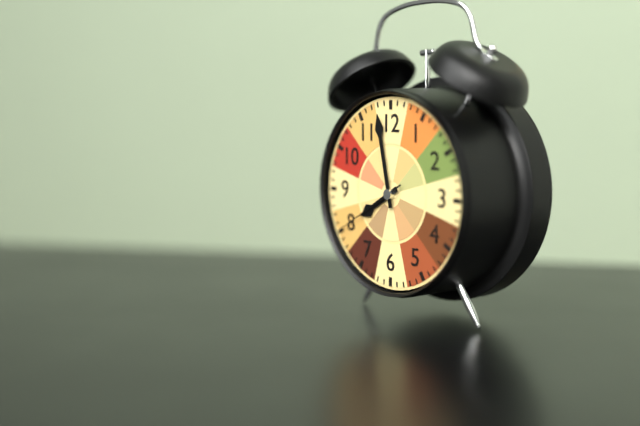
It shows {"hour": 7, "minute": 58, "second": 40}
